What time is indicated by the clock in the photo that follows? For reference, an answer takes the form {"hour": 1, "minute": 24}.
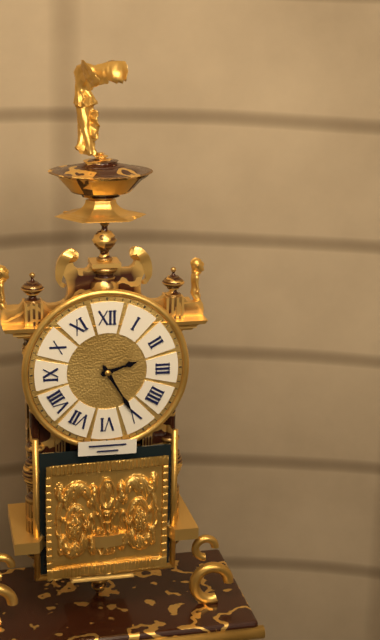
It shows {"hour": 2, "minute": 25}
